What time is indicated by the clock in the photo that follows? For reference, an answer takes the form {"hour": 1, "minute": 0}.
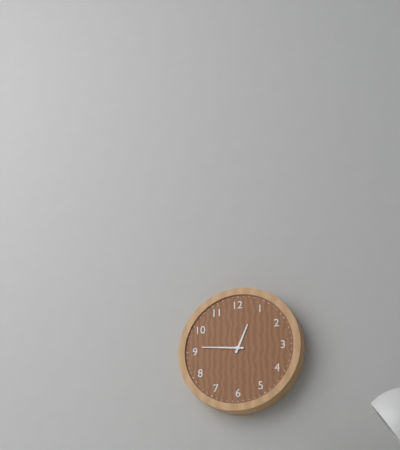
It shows {"hour": 12, "minute": 46}
